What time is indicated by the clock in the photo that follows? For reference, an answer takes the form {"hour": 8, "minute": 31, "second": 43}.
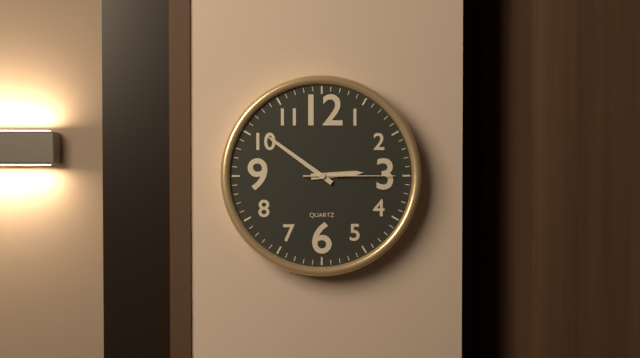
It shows {"hour": 2, "minute": 51, "second": 15}
